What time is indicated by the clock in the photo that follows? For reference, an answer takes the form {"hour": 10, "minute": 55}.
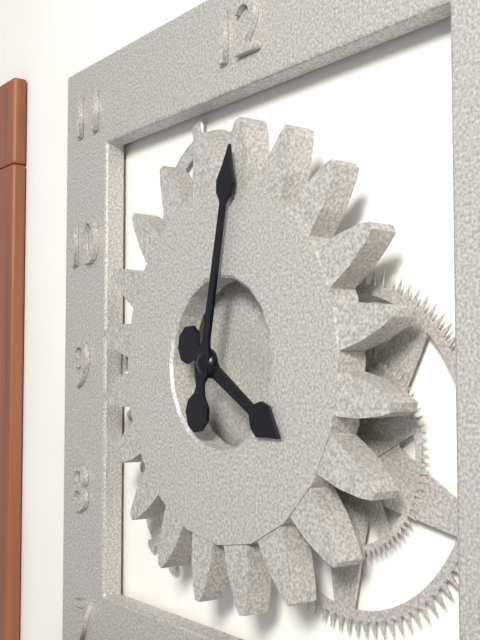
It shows {"hour": 4, "minute": 2}
